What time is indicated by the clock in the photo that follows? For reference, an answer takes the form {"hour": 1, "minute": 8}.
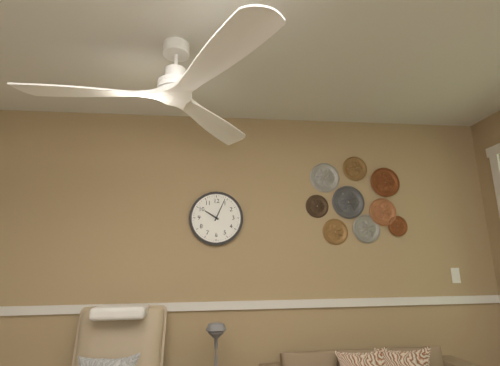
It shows {"hour": 10, "minute": 4}
